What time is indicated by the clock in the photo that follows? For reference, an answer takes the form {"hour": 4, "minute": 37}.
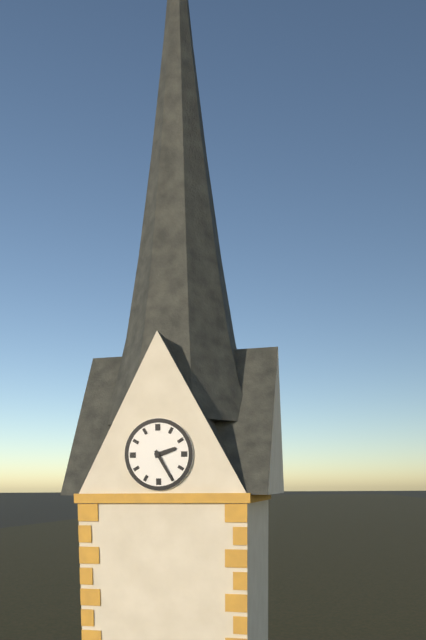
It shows {"hour": 2, "minute": 25}
